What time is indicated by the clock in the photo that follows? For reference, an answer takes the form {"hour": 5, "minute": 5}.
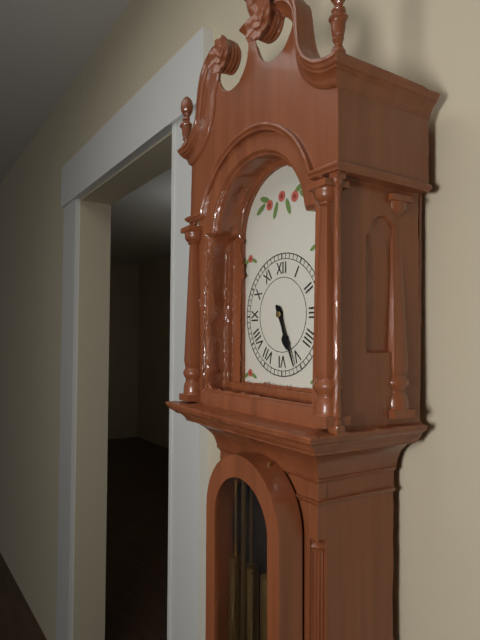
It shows {"hour": 5, "minute": 26}
